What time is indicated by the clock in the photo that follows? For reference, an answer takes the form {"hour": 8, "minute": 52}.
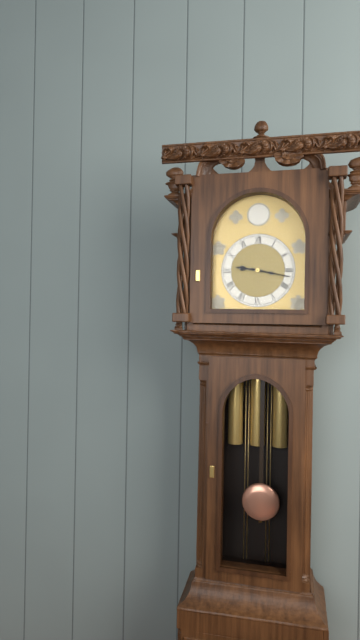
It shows {"hour": 9, "minute": 17}
